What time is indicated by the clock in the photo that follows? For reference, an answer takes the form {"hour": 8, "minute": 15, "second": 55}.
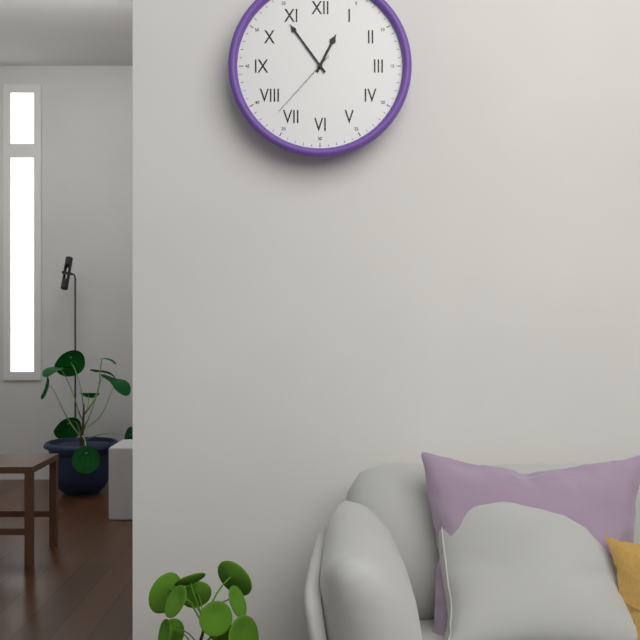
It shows {"hour": 12, "minute": 54, "second": 37}
